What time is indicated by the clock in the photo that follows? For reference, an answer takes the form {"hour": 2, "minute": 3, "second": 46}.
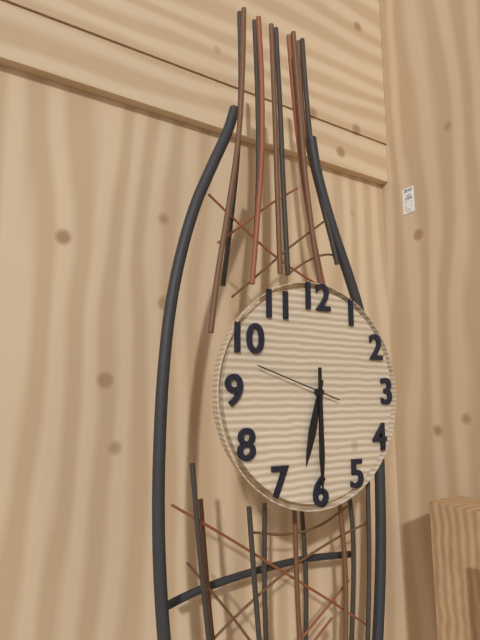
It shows {"hour": 6, "minute": 30, "second": 48}
